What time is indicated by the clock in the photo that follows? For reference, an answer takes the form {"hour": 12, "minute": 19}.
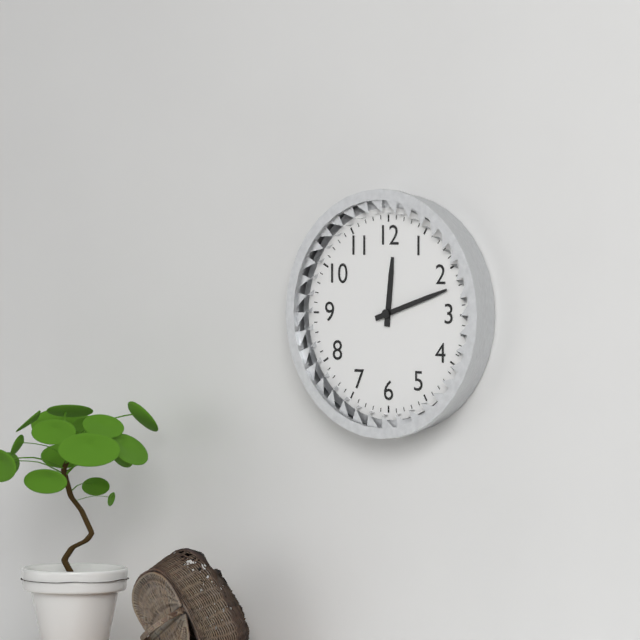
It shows {"hour": 12, "minute": 12}
